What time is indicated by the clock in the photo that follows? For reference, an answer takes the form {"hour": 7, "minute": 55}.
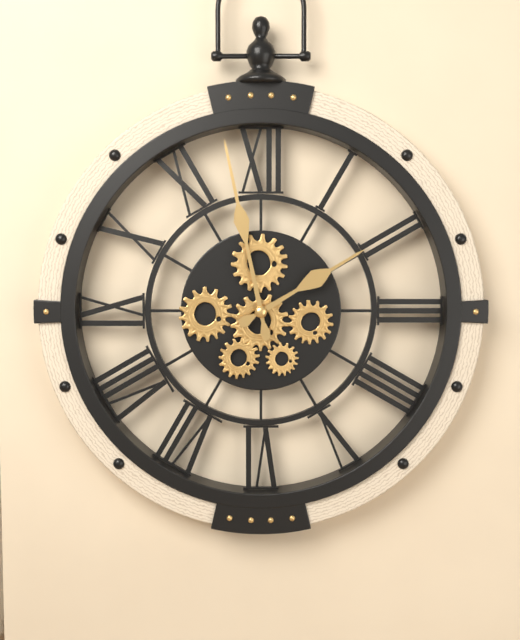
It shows {"hour": 1, "minute": 58}
